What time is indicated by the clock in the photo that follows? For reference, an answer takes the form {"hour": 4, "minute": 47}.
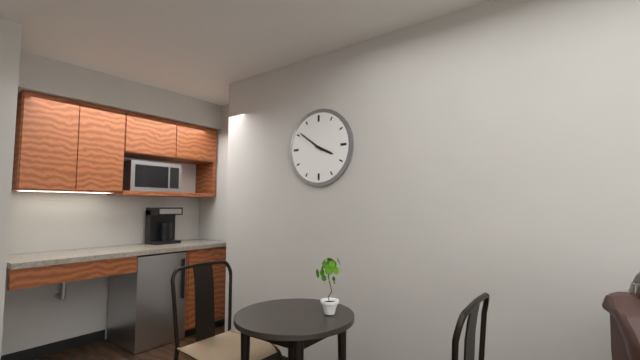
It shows {"hour": 3, "minute": 51}
